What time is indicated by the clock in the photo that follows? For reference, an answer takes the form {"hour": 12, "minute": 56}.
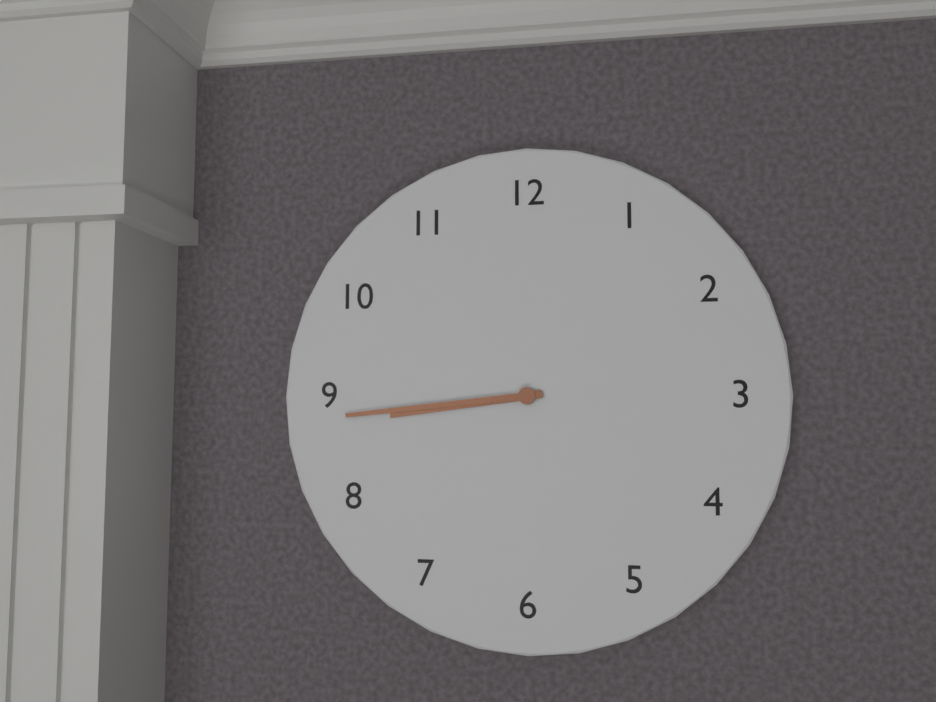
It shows {"hour": 8, "minute": 44}
